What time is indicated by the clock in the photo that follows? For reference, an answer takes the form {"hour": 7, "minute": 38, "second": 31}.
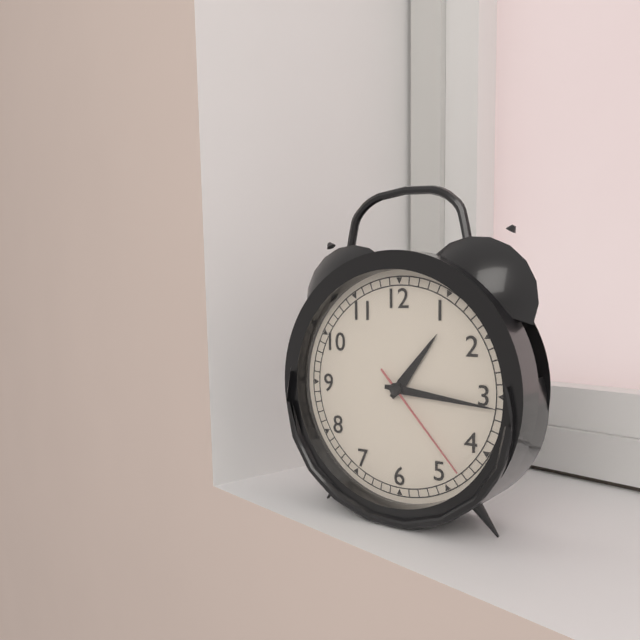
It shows {"hour": 1, "minute": 16, "second": 23}
